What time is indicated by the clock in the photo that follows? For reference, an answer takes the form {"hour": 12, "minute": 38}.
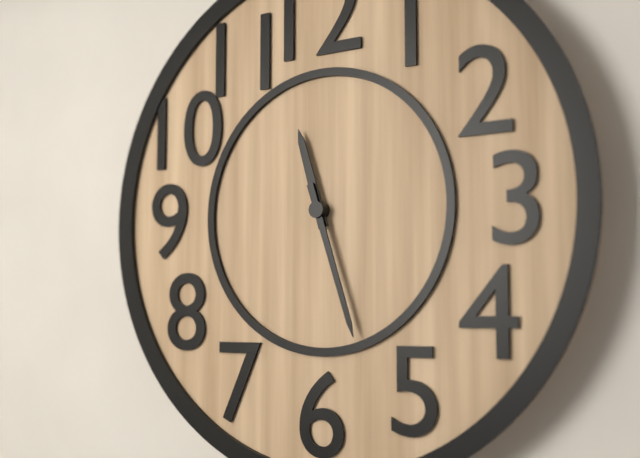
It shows {"hour": 11, "minute": 27}
